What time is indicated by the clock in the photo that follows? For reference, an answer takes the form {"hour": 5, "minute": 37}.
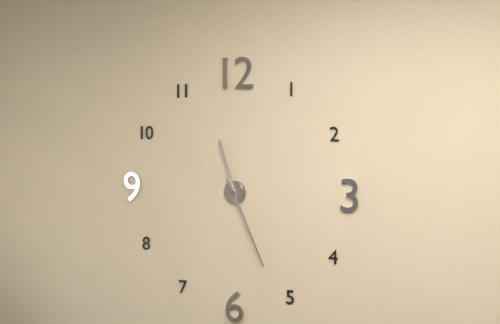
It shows {"hour": 11, "minute": 26}
